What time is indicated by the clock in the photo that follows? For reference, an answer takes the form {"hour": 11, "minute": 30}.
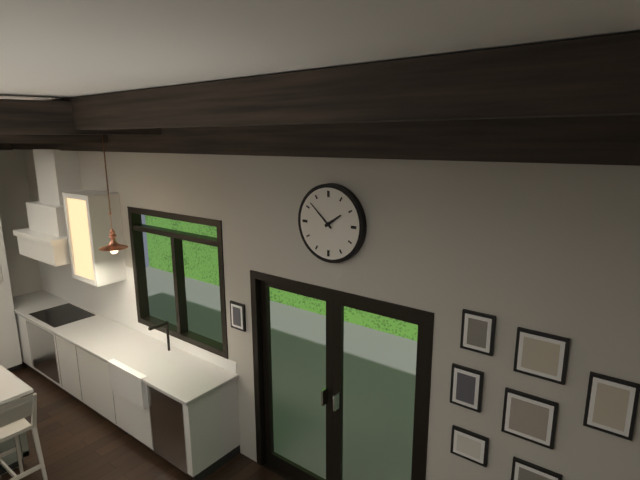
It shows {"hour": 1, "minute": 52}
